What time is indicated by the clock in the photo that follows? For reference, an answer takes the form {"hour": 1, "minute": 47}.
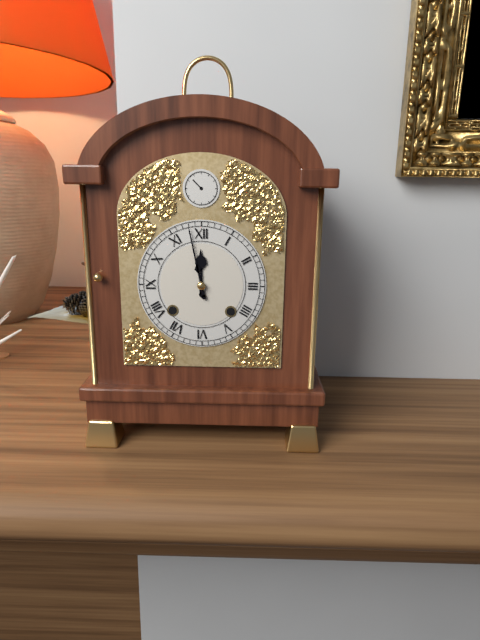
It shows {"hour": 11, "minute": 58}
